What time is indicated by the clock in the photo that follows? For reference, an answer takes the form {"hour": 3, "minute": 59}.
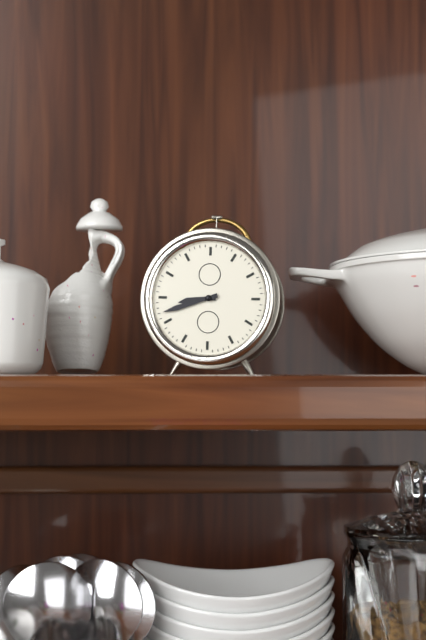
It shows {"hour": 8, "minute": 42}
